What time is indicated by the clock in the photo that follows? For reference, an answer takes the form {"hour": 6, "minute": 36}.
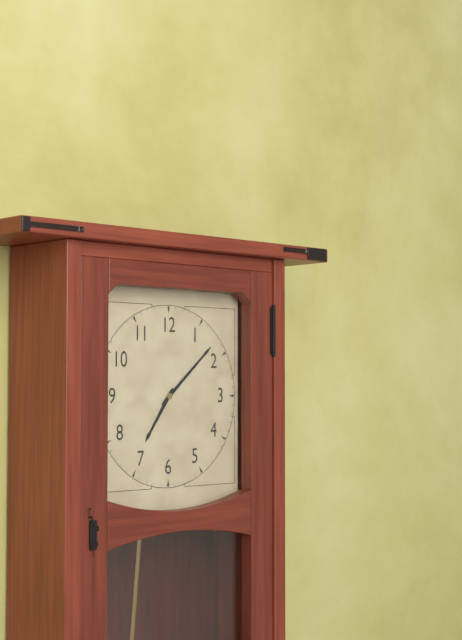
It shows {"hour": 7, "minute": 8}
